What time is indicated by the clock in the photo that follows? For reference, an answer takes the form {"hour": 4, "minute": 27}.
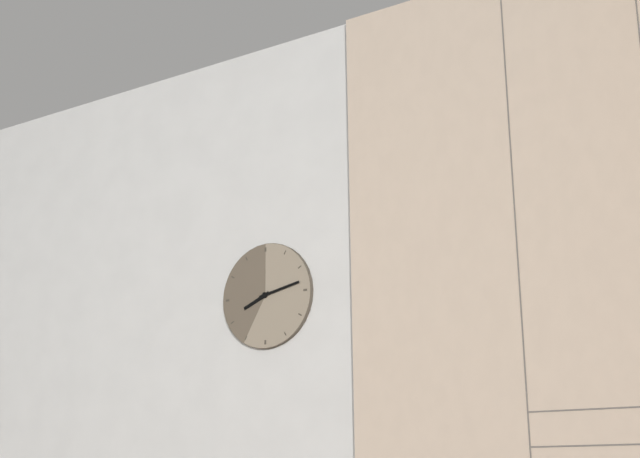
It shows {"hour": 8, "minute": 13}
